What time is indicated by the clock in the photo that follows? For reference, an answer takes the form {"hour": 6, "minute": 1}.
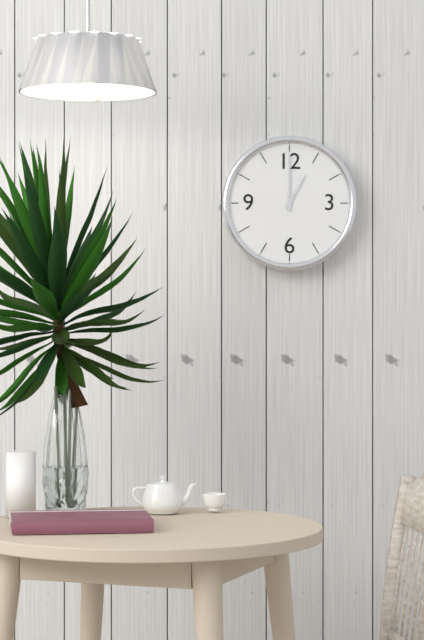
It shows {"hour": 1, "minute": 0}
